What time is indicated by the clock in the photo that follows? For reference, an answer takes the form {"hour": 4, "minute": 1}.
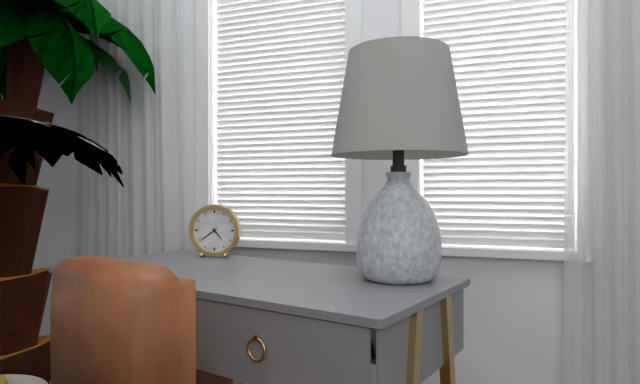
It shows {"hour": 4, "minute": 39}
